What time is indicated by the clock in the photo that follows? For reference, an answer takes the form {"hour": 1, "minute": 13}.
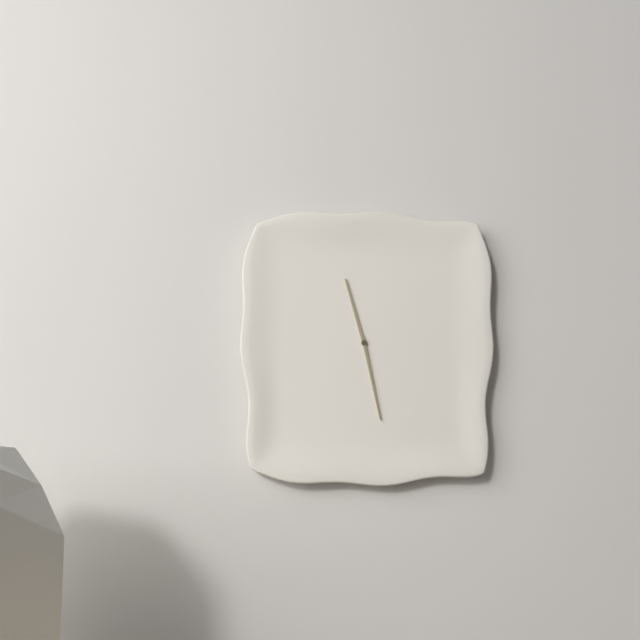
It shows {"hour": 11, "minute": 28}
